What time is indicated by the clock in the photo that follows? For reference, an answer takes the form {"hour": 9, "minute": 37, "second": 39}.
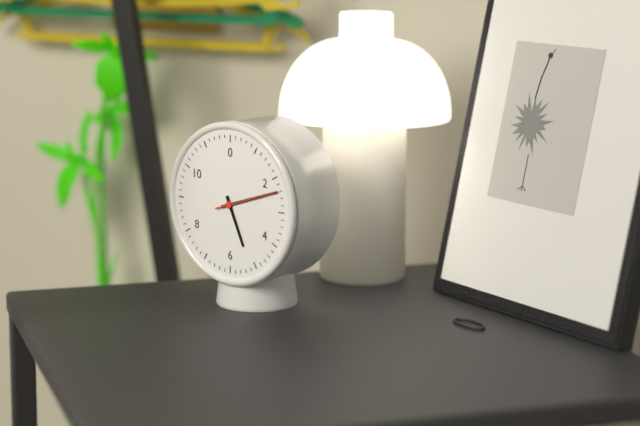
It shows {"hour": 5, "minute": 12, "second": 12}
